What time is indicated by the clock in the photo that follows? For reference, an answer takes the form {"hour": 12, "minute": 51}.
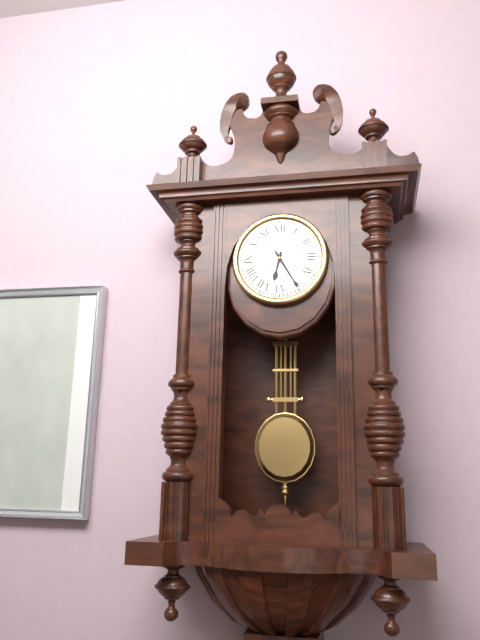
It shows {"hour": 6, "minute": 25}
